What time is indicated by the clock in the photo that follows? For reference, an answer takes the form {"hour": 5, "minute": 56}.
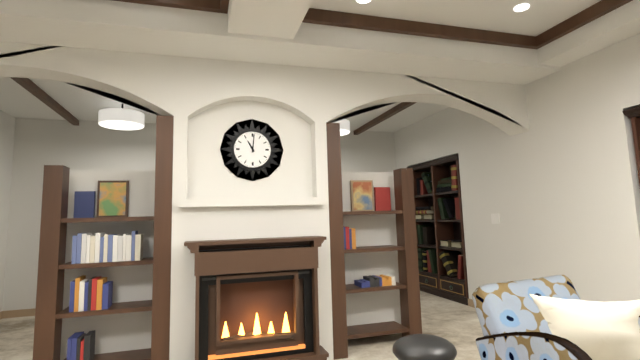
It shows {"hour": 11, "minute": 1}
